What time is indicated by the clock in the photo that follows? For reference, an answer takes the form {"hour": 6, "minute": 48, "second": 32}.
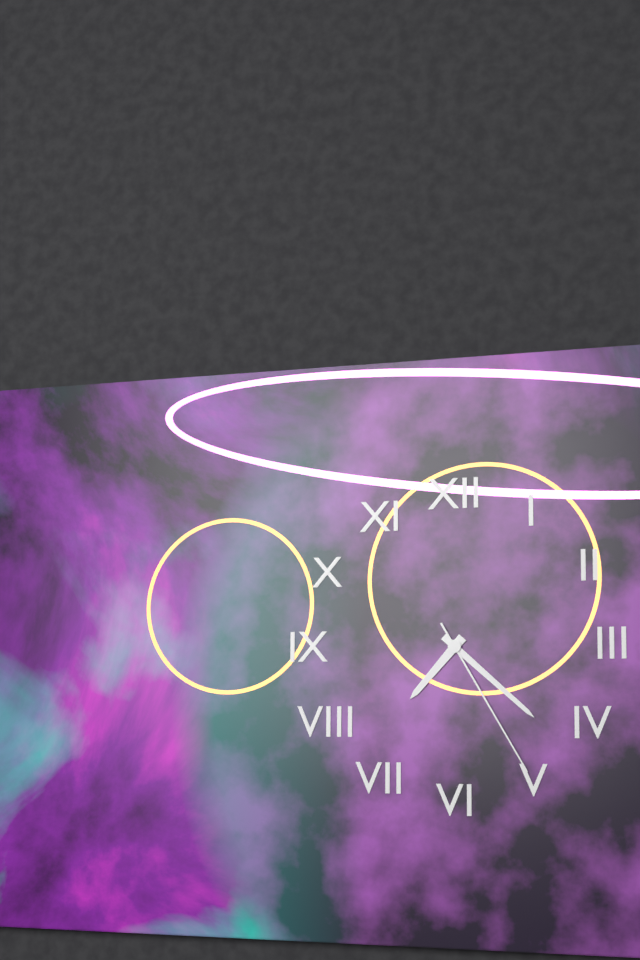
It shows {"hour": 7, "minute": 22, "second": 25}
